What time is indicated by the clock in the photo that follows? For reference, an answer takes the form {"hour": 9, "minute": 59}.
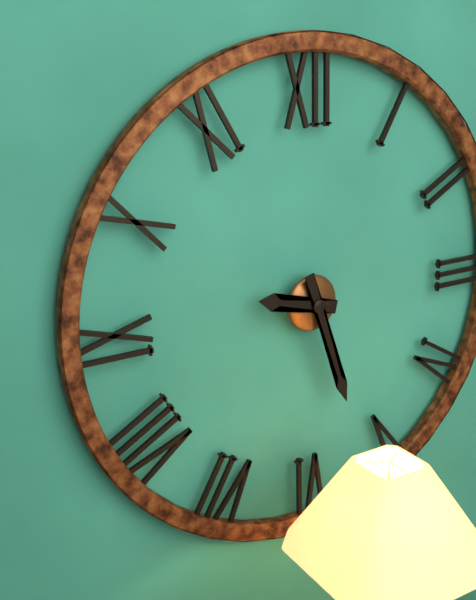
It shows {"hour": 9, "minute": 27}
